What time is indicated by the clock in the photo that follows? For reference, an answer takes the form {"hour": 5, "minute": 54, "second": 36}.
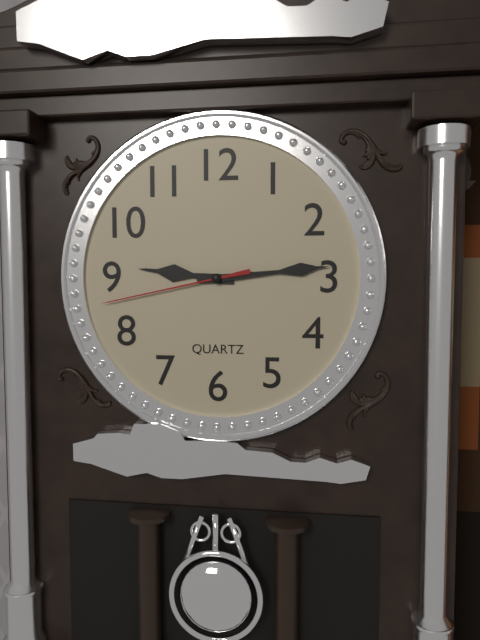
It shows {"hour": 9, "minute": 14, "second": 43}
